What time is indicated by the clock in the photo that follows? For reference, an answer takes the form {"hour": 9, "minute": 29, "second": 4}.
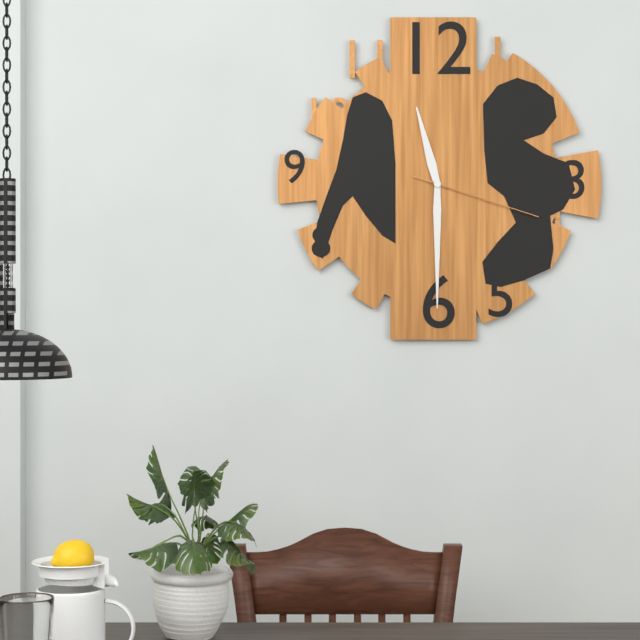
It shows {"hour": 11, "minute": 30, "second": 18}
